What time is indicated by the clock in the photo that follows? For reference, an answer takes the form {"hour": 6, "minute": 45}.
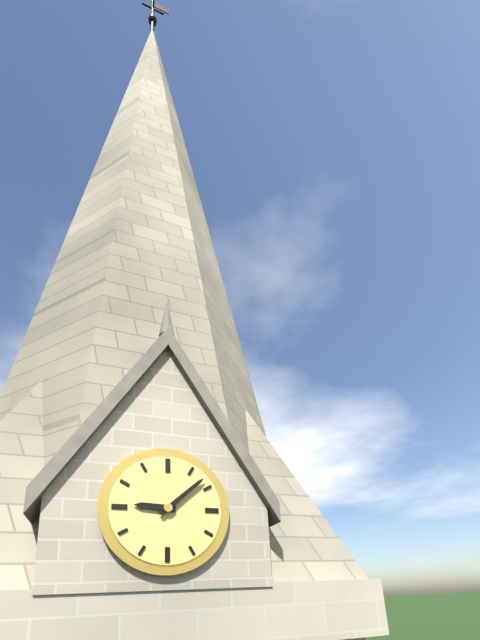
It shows {"hour": 9, "minute": 8}
